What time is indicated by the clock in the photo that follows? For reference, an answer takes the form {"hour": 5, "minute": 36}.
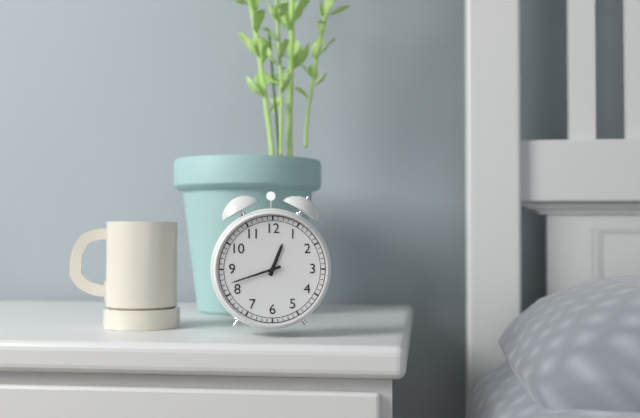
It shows {"hour": 12, "minute": 42}
